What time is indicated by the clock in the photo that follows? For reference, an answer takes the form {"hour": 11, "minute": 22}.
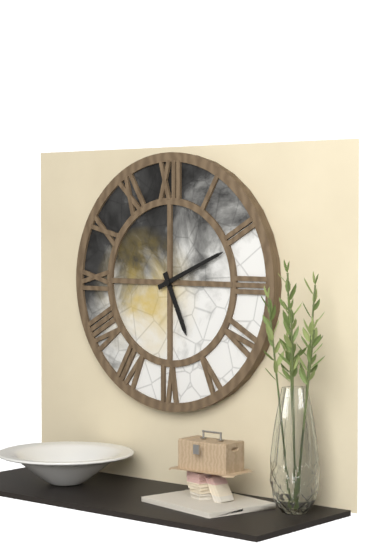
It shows {"hour": 5, "minute": 11}
